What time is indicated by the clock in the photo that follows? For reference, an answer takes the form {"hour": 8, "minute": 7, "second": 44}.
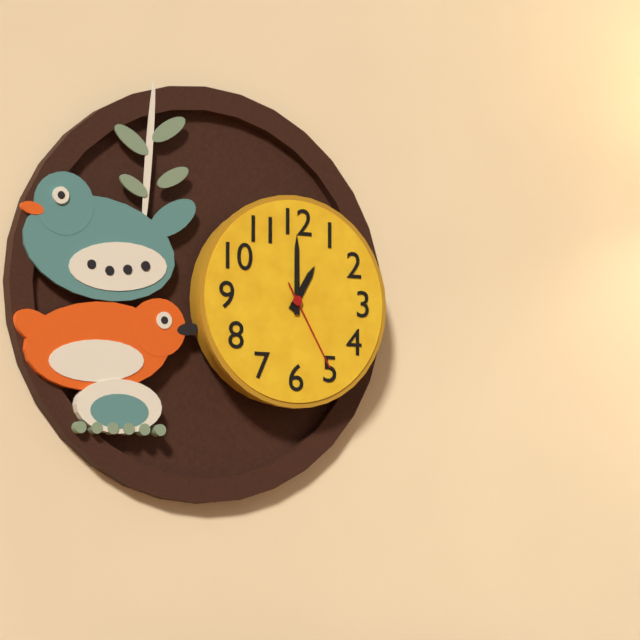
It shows {"hour": 1, "minute": 0, "second": 25}
